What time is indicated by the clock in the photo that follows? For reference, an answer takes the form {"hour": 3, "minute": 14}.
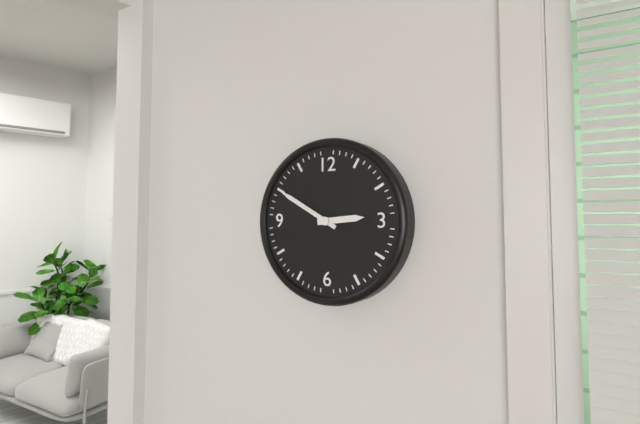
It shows {"hour": 2, "minute": 50}
